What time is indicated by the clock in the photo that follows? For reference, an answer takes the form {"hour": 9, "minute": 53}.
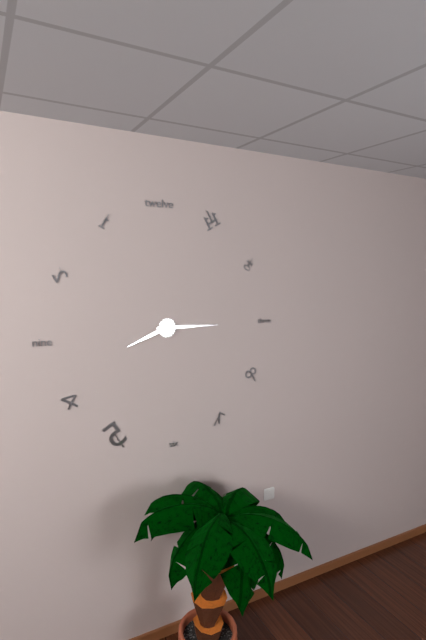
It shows {"hour": 8, "minute": 15}
